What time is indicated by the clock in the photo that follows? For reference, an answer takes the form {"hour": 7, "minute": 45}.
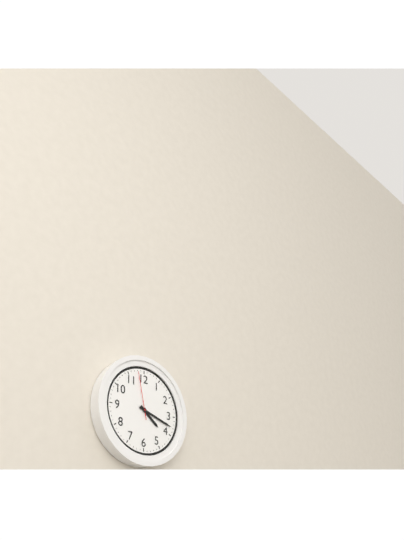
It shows {"hour": 4, "minute": 18}
